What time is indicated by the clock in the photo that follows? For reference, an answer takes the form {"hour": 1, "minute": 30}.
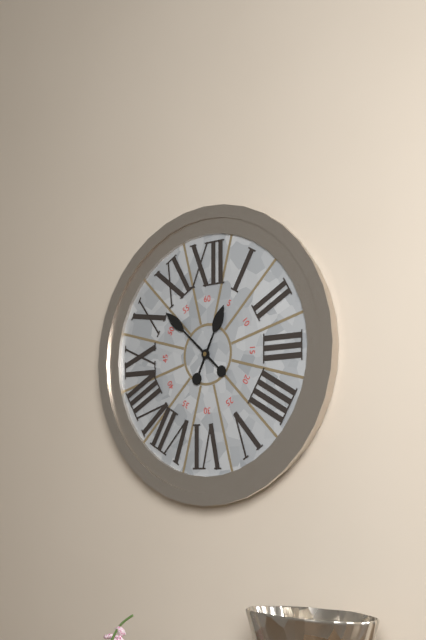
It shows {"hour": 12, "minute": 52}
